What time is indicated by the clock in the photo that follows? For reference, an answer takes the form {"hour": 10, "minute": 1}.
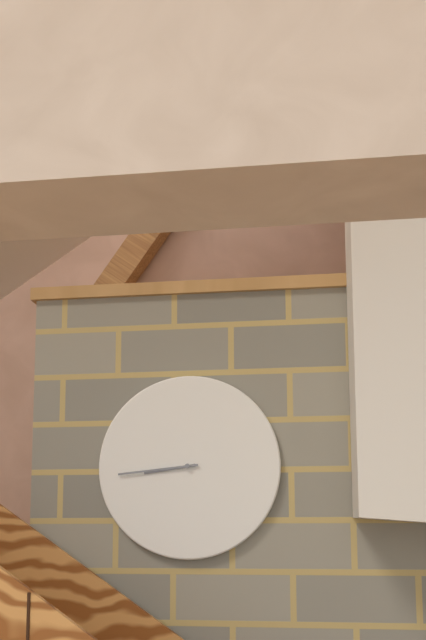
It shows {"hour": 8, "minute": 44}
